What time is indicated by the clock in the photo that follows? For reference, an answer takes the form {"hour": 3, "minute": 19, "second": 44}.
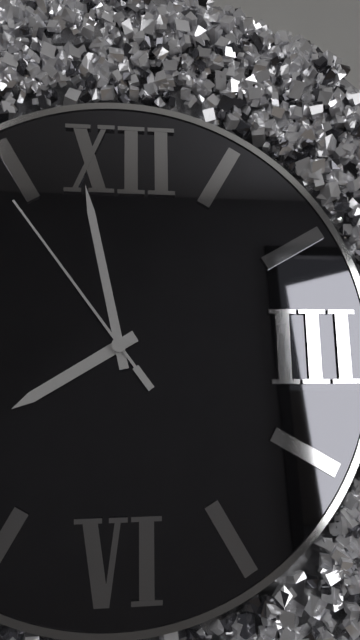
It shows {"hour": 7, "minute": 58, "second": 54}
